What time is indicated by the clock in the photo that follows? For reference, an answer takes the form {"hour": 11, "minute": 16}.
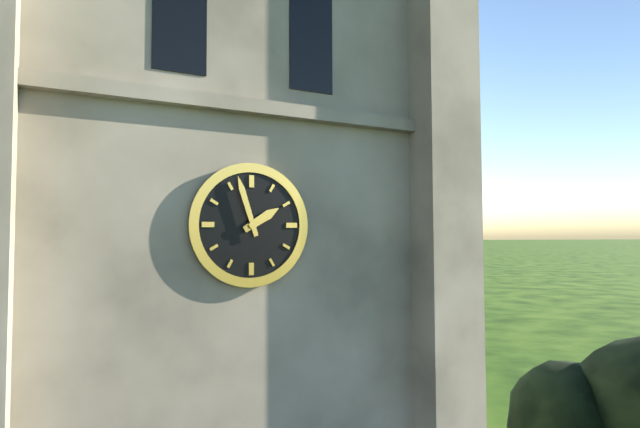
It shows {"hour": 1, "minute": 57}
